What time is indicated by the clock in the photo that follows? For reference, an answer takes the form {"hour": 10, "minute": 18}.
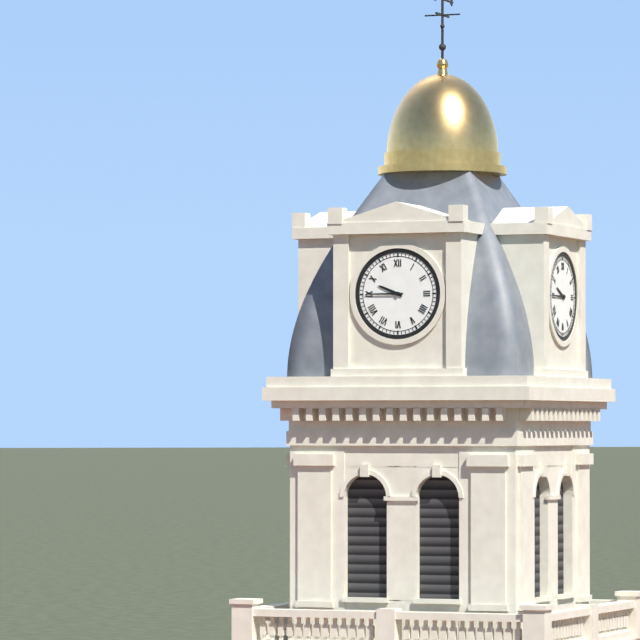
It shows {"hour": 9, "minute": 45}
